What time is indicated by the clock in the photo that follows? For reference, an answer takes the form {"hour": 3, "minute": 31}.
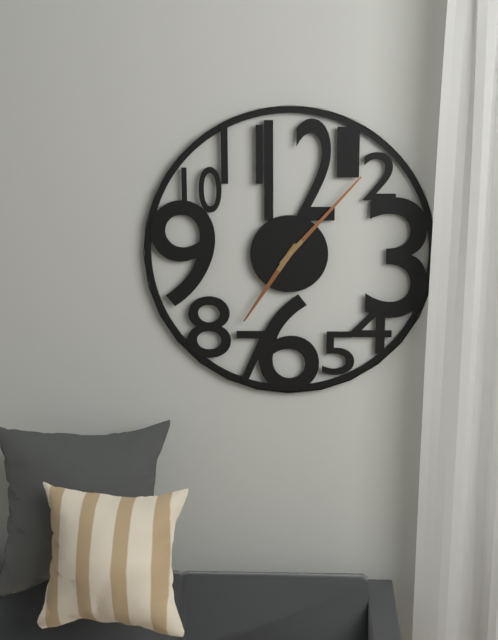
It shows {"hour": 7, "minute": 7}
